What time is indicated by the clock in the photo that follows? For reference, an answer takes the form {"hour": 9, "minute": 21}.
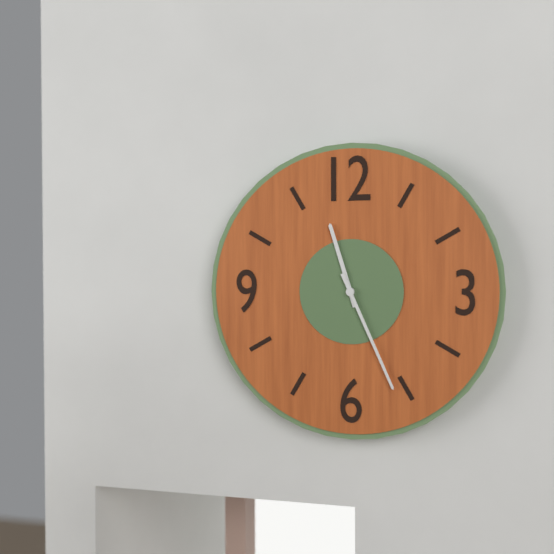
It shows {"hour": 11, "minute": 26}
